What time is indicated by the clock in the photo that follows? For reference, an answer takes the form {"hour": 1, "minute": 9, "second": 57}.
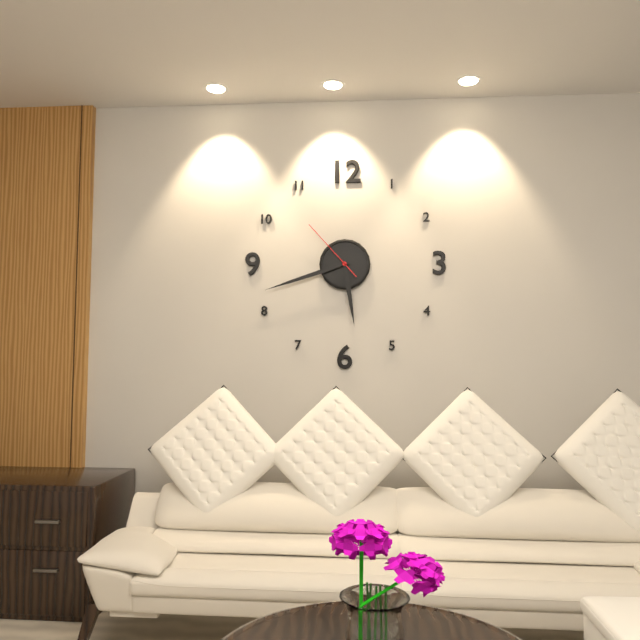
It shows {"hour": 5, "minute": 42, "second": 53}
